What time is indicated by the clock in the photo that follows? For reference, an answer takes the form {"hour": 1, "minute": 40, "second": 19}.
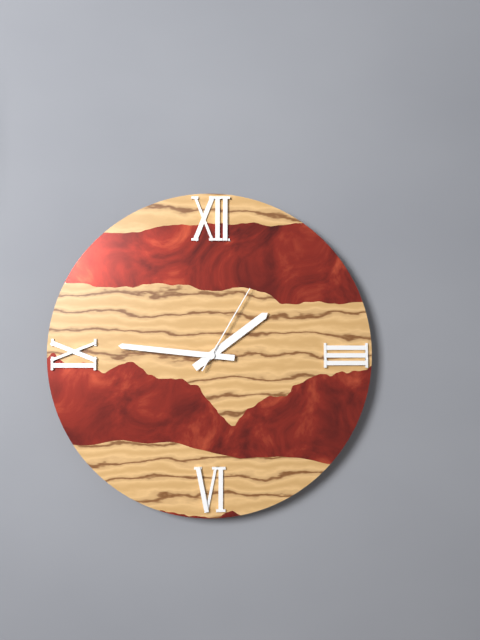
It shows {"hour": 1, "minute": 46, "second": 5}
